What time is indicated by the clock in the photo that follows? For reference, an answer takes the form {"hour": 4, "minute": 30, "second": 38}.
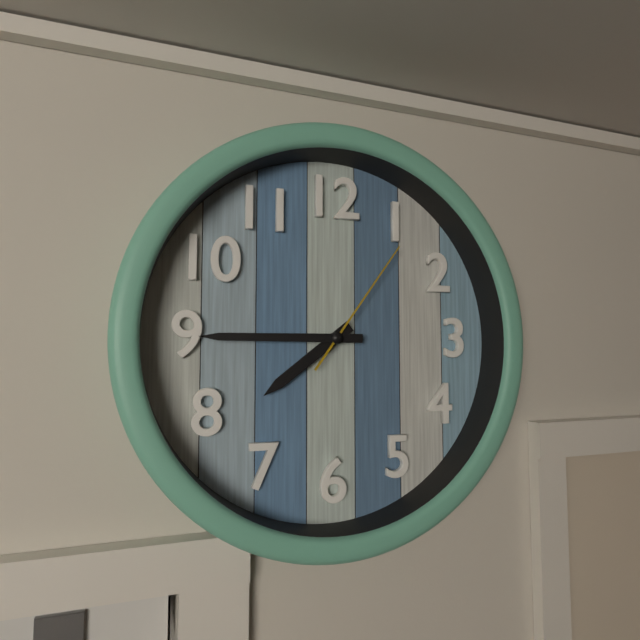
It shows {"hour": 7, "minute": 45, "second": 6}
